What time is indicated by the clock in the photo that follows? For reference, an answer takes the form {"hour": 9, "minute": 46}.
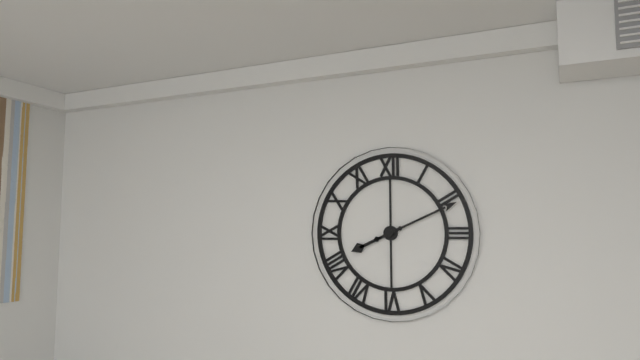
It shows {"hour": 8, "minute": 11}
